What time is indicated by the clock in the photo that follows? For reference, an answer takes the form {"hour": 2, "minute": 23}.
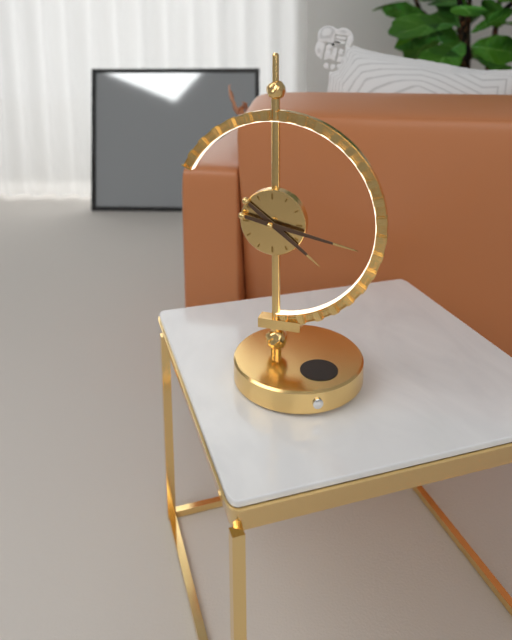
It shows {"hour": 4, "minute": 17}
